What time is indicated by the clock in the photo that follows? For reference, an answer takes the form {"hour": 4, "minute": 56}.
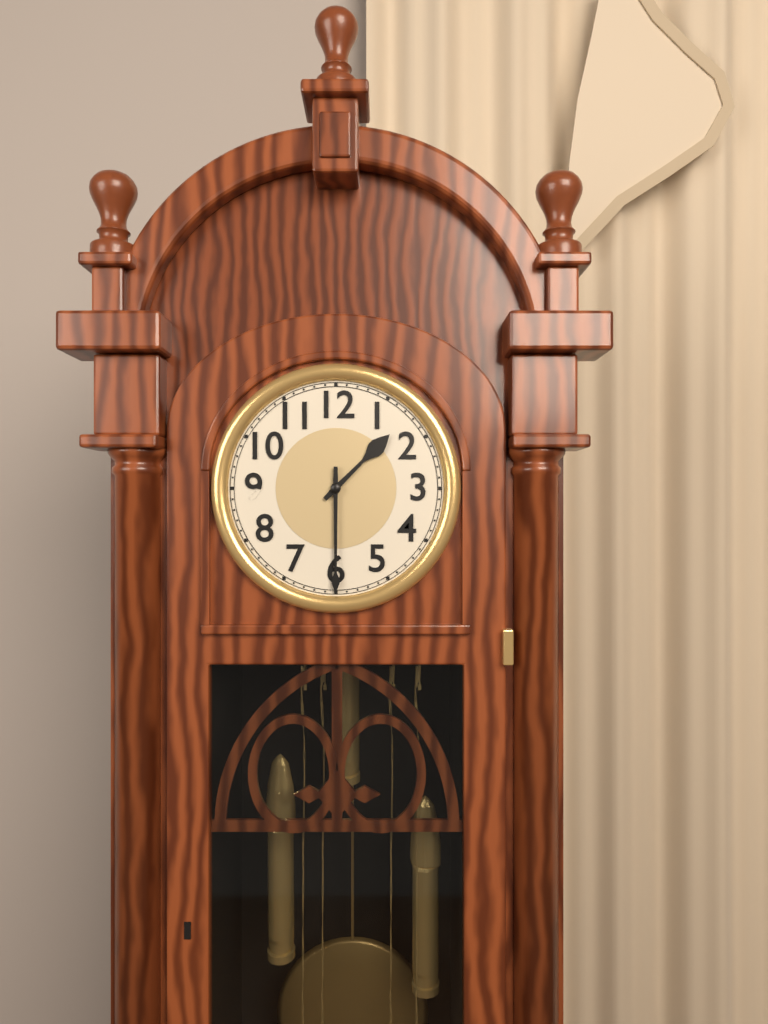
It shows {"hour": 1, "minute": 30}
